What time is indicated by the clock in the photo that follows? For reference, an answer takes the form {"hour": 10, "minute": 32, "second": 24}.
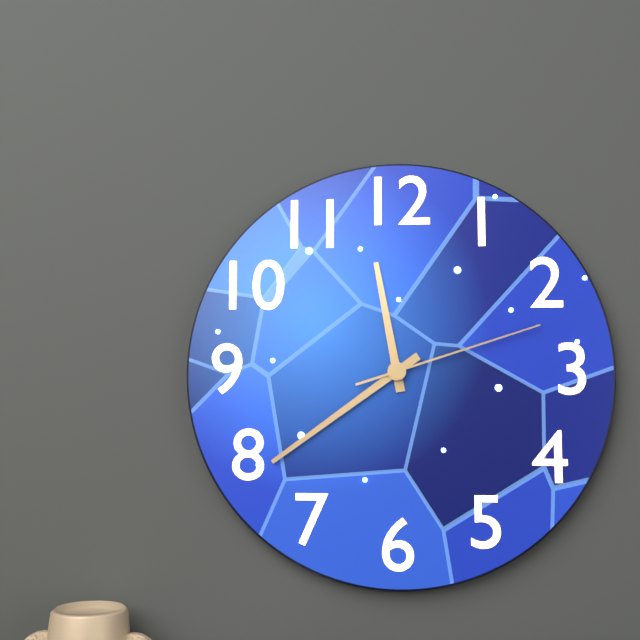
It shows {"hour": 11, "minute": 39, "second": 12}
